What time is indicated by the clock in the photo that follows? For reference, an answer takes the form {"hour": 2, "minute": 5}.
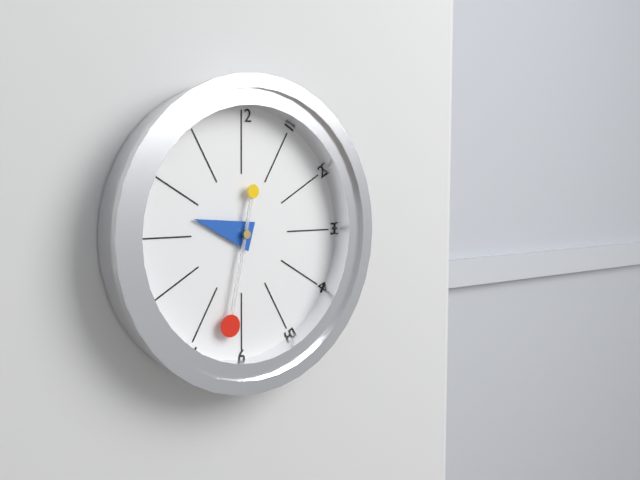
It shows {"hour": 9, "minute": 32}
